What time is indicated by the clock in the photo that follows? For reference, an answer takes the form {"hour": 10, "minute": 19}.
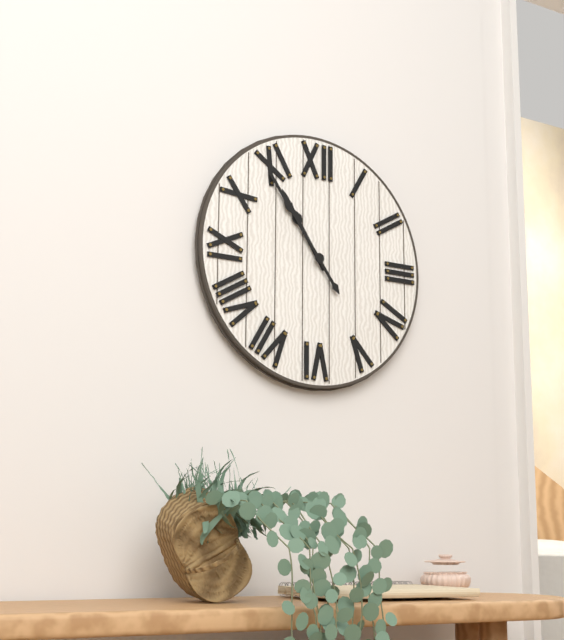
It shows {"hour": 10, "minute": 54}
